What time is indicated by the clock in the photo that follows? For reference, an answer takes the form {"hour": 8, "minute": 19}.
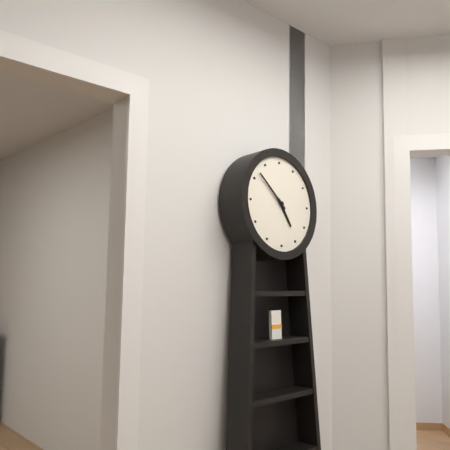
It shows {"hour": 4, "minute": 52}
